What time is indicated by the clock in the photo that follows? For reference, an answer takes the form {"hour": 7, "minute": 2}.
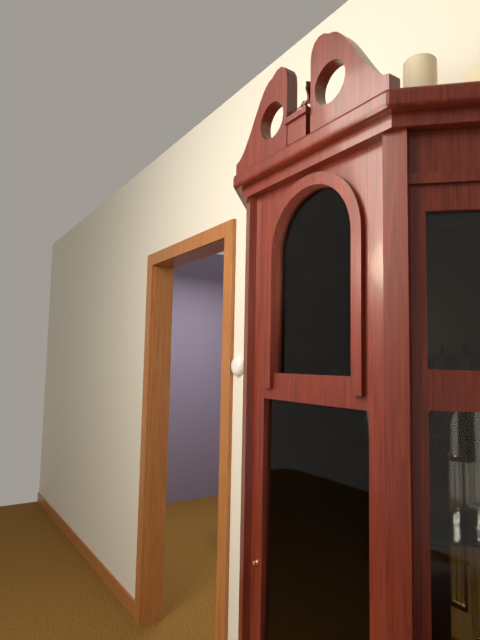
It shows {"hour": 9, "minute": 51}
